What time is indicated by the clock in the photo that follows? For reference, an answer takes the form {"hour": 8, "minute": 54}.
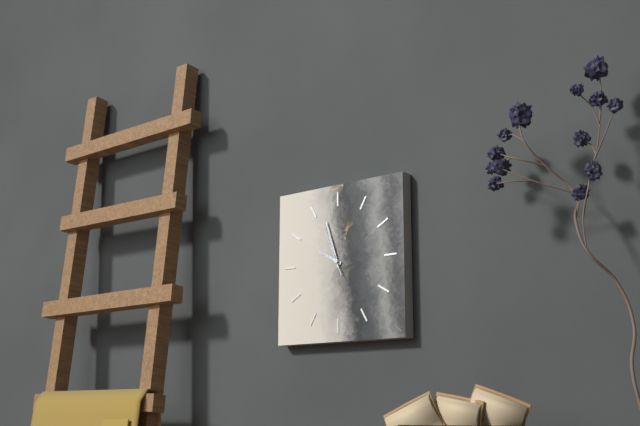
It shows {"hour": 9, "minute": 57}
